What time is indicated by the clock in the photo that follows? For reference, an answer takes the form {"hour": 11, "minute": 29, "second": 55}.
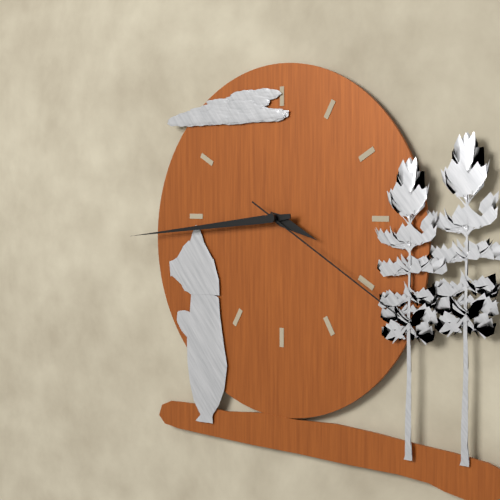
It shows {"hour": 3, "minute": 44, "second": 20}
